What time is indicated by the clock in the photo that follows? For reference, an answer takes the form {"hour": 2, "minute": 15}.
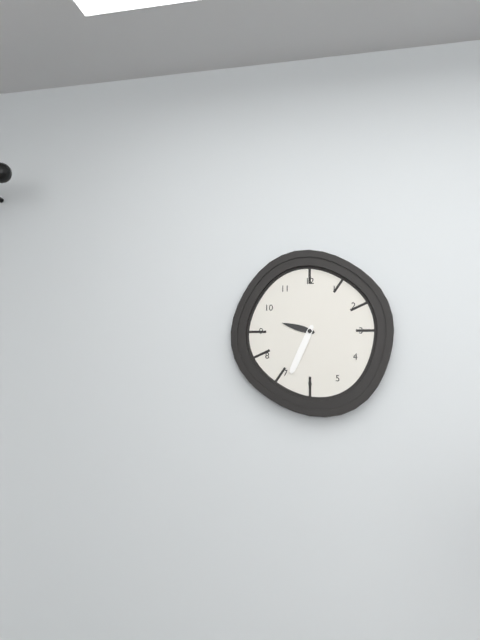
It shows {"hour": 9, "minute": 34}
